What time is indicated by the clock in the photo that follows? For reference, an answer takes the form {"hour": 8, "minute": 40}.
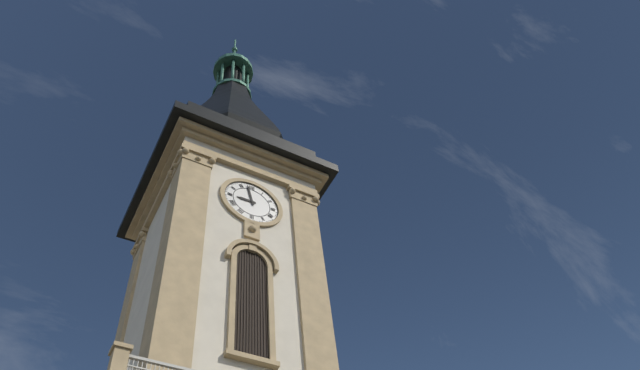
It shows {"hour": 8, "minute": 58}
